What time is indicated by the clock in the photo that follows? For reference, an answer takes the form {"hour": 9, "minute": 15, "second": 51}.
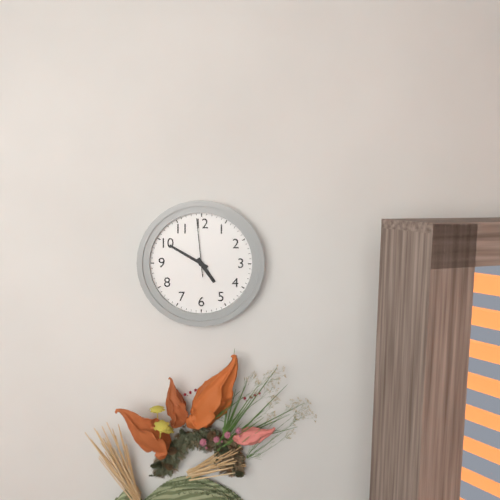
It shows {"hour": 4, "minute": 50, "second": 59}
